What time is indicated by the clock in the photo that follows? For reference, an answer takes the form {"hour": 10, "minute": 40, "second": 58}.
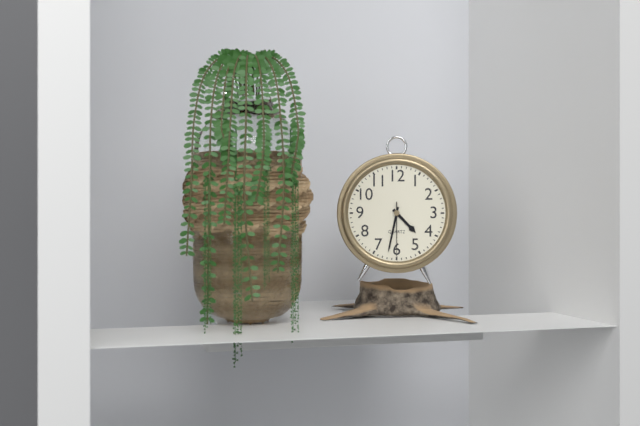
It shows {"hour": 4, "minute": 32, "second": 30}
